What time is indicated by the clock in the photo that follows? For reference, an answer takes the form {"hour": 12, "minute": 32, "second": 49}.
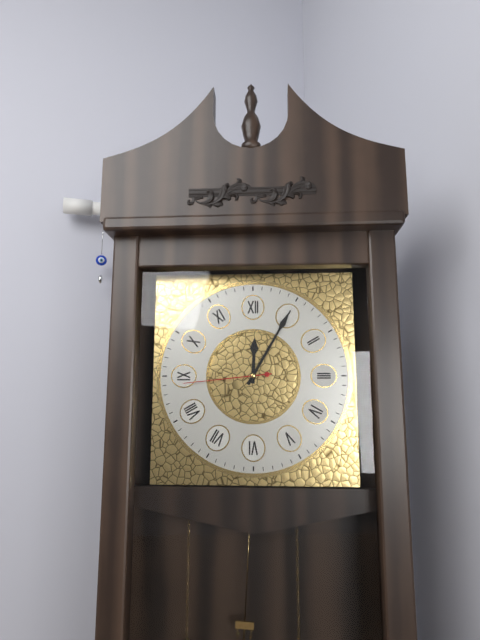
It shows {"hour": 12, "minute": 5, "second": 44}
